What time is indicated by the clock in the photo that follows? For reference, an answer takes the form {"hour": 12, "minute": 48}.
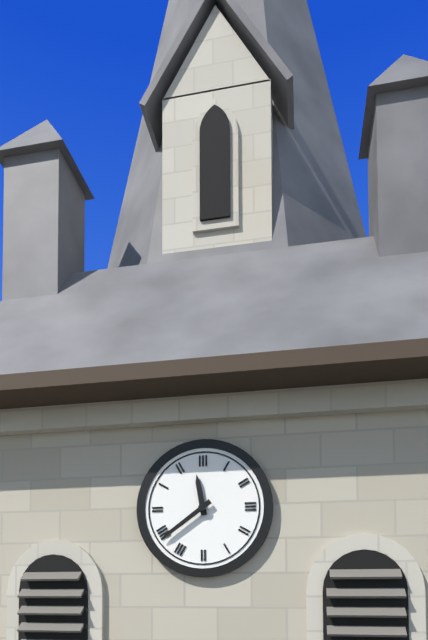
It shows {"hour": 11, "minute": 39}
